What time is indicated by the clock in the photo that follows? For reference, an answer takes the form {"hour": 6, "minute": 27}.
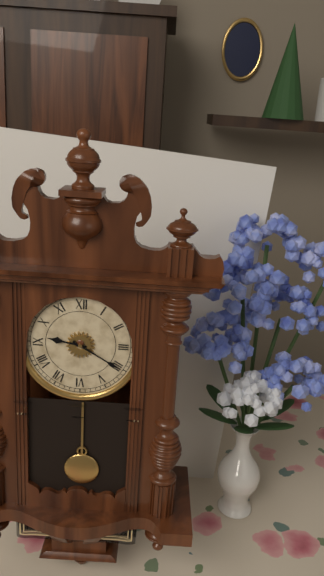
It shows {"hour": 9, "minute": 20}
